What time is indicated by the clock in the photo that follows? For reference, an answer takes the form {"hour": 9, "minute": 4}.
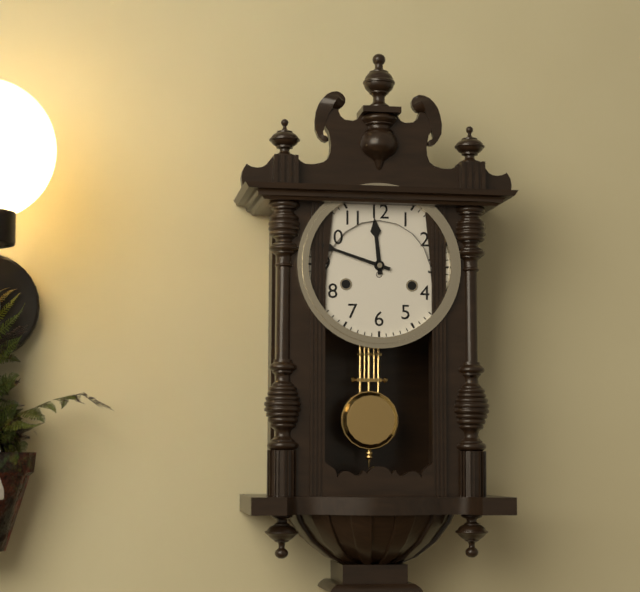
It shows {"hour": 11, "minute": 48}
